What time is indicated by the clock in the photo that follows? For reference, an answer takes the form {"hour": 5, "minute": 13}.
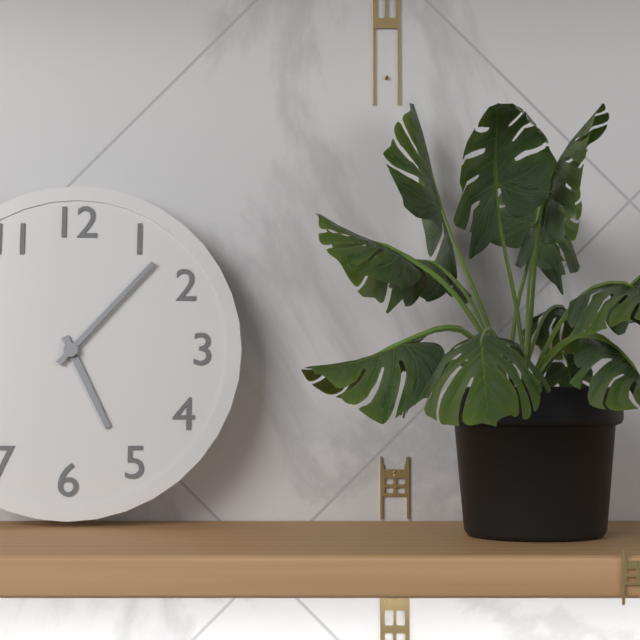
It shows {"hour": 5, "minute": 7}
